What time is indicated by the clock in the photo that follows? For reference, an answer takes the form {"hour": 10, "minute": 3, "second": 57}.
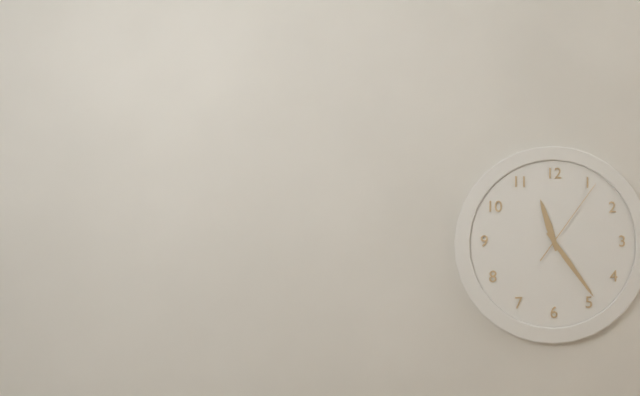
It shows {"hour": 11, "minute": 24, "second": 6}
